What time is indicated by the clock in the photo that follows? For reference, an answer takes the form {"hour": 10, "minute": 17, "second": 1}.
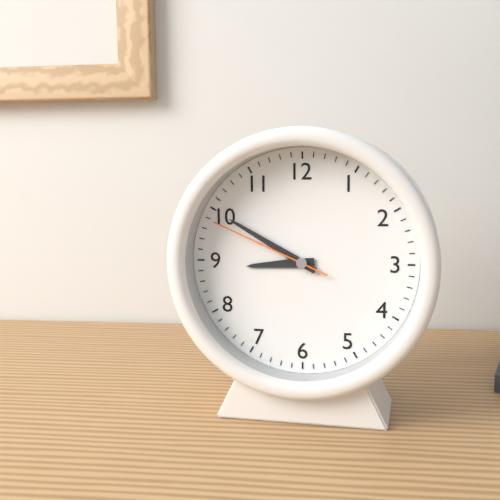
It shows {"hour": 8, "minute": 50, "second": 49}
